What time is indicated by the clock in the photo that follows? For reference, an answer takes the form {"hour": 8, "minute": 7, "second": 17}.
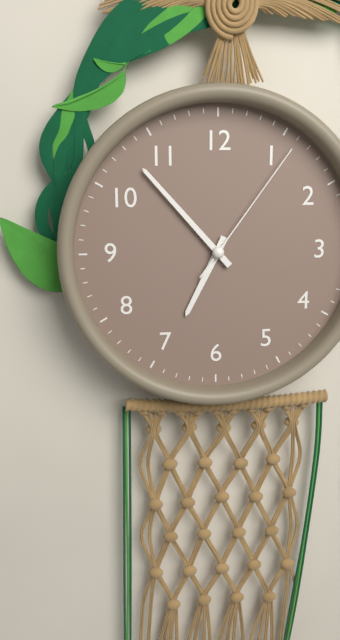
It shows {"hour": 6, "minute": 53, "second": 6}
